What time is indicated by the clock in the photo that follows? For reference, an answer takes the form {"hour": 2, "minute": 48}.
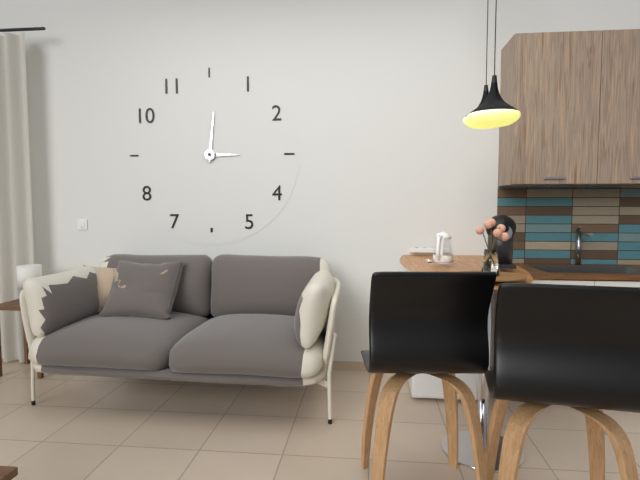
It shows {"hour": 3, "minute": 1}
